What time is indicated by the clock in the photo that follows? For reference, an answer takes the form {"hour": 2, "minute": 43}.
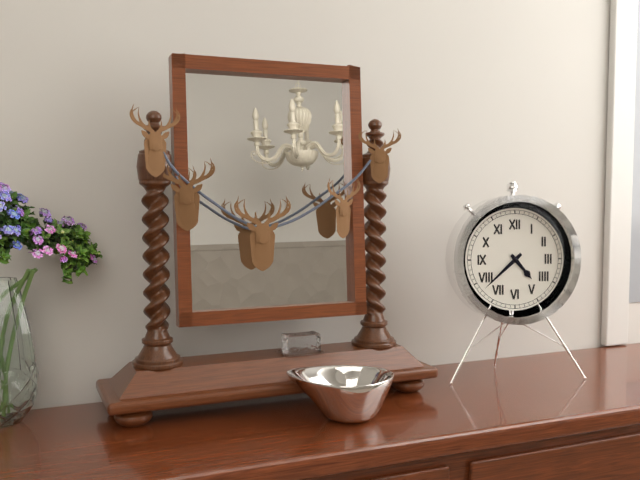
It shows {"hour": 4, "minute": 38}
